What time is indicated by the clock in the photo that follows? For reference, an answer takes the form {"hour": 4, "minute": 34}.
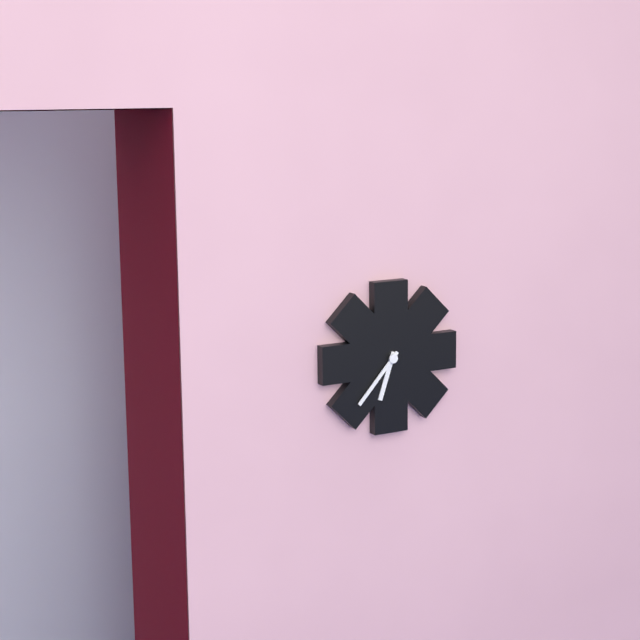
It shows {"hour": 6, "minute": 37}
